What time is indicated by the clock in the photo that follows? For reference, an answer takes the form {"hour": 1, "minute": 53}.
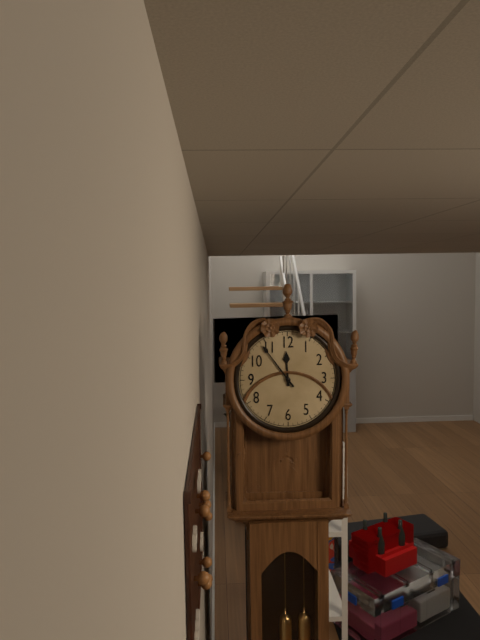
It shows {"hour": 11, "minute": 54}
